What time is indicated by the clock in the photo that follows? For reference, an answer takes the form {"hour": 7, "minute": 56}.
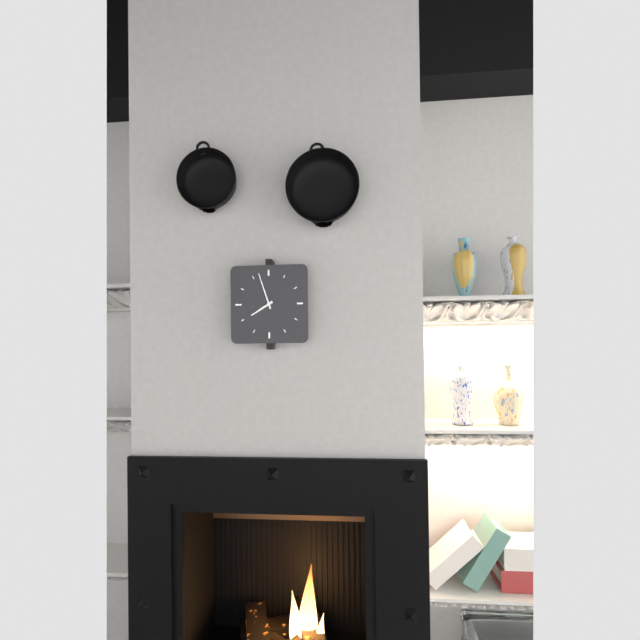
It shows {"hour": 7, "minute": 57}
